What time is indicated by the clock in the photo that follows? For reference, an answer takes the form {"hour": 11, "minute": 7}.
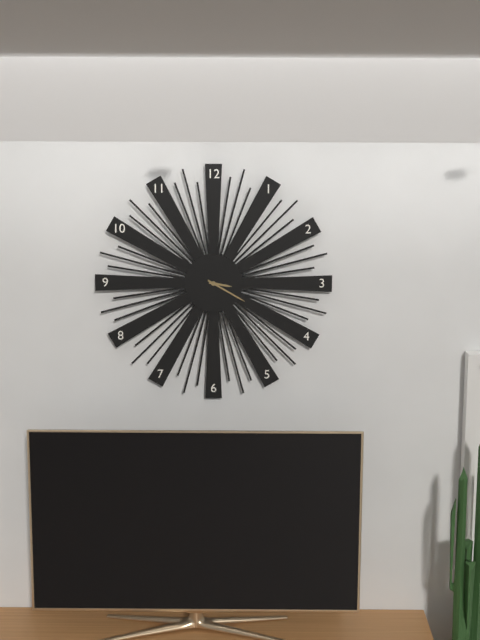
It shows {"hour": 3, "minute": 20}
